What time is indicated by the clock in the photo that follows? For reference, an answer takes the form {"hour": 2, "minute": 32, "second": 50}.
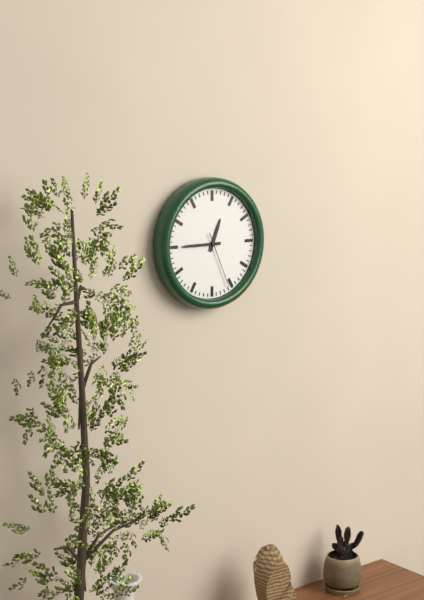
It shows {"hour": 12, "minute": 45, "second": 26}
